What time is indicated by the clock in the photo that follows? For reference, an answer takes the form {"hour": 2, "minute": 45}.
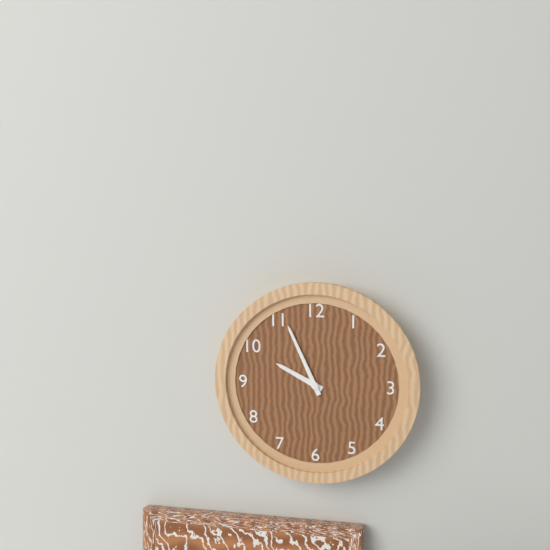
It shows {"hour": 9, "minute": 56}
